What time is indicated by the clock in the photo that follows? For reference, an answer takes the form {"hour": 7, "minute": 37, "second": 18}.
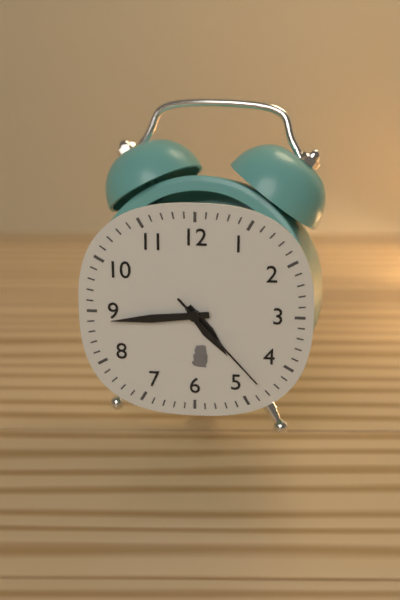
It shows {"hour": 4, "minute": 44, "second": 23}
